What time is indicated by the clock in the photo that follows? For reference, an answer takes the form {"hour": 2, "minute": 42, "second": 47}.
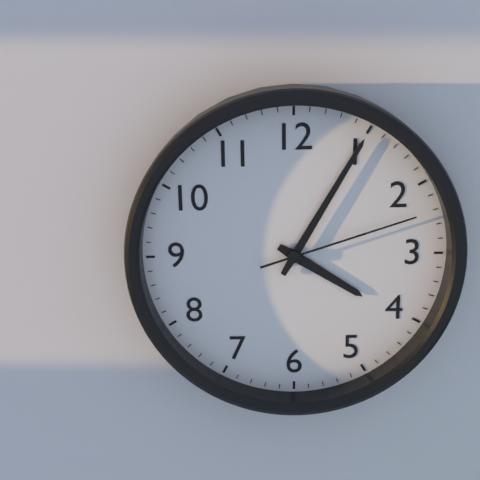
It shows {"hour": 4, "minute": 5, "second": 12}
